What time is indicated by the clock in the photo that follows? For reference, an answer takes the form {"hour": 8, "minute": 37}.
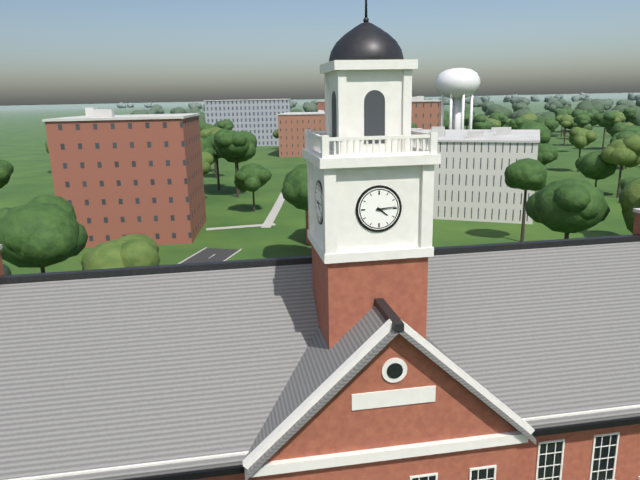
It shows {"hour": 4, "minute": 14}
